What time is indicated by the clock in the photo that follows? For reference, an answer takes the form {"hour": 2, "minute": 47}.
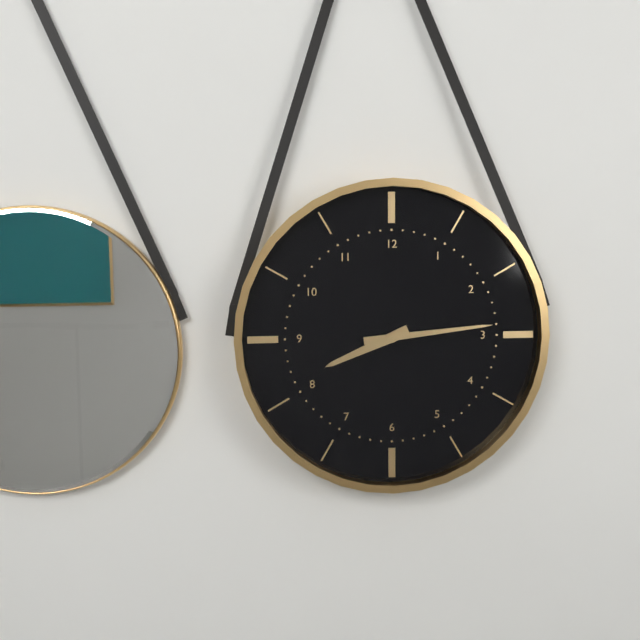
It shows {"hour": 8, "minute": 14}
